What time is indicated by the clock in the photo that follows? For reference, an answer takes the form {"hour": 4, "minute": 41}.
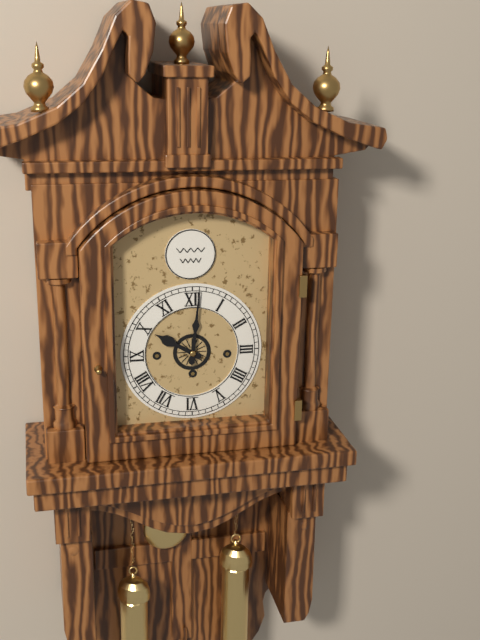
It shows {"hour": 10, "minute": 1}
